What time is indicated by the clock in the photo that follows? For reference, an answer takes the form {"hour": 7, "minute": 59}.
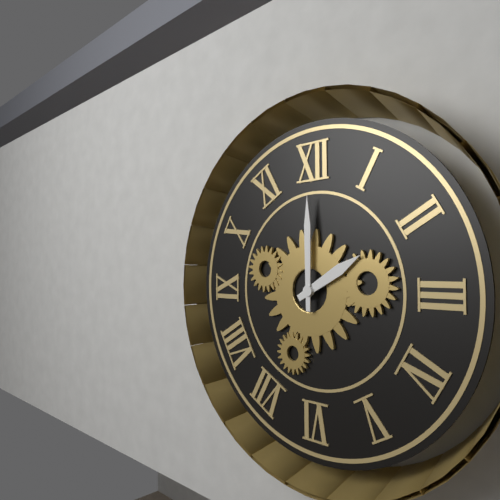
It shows {"hour": 2, "minute": 0}
